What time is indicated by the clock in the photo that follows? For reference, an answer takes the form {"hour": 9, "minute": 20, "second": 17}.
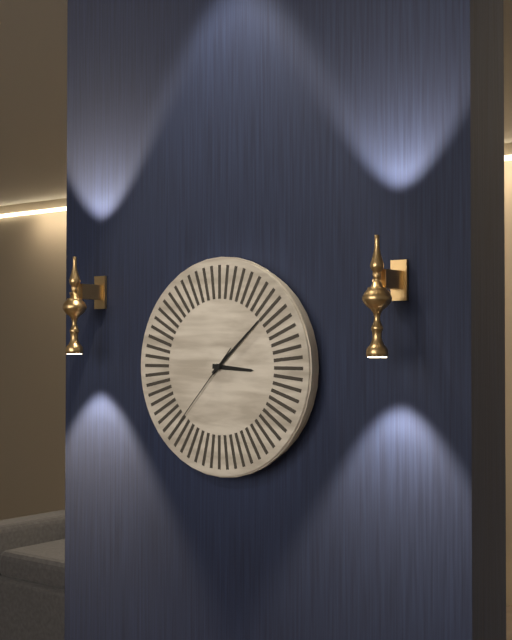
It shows {"hour": 3, "minute": 8, "second": 37}
